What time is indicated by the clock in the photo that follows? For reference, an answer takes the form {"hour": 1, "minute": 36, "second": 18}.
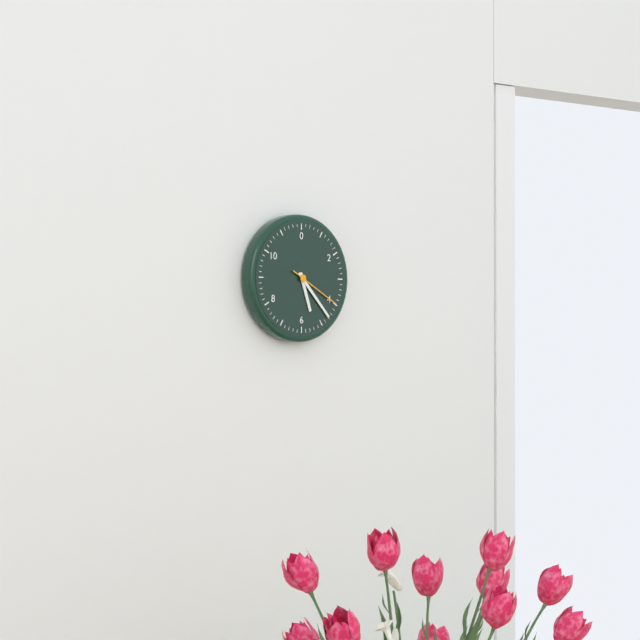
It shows {"hour": 5, "minute": 23, "second": 20}
